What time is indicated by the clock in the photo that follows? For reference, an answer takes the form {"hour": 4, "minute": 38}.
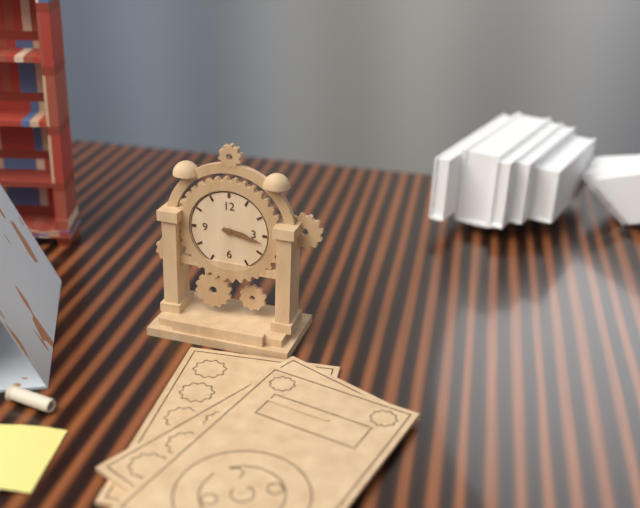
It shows {"hour": 3, "minute": 17}
